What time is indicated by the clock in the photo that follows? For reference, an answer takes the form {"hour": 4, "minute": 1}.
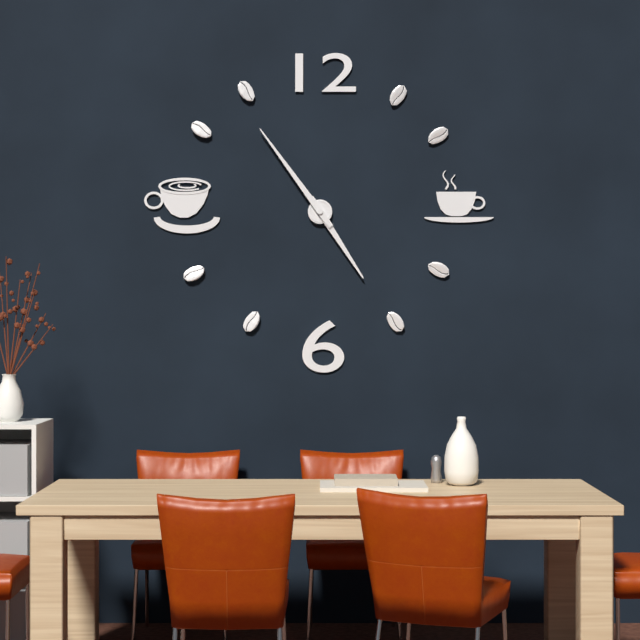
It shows {"hour": 4, "minute": 54}
